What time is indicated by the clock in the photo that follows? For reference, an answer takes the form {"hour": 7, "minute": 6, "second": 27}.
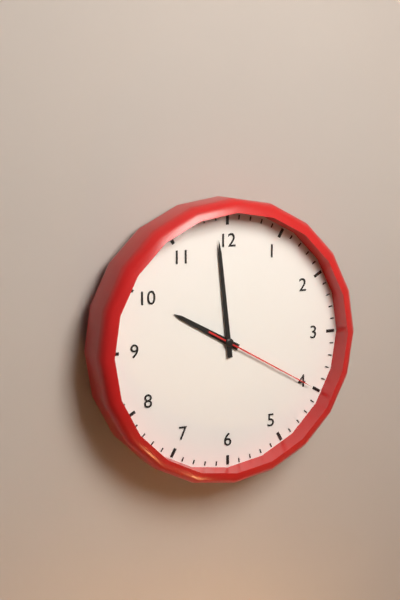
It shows {"hour": 9, "minute": 59, "second": 20}
